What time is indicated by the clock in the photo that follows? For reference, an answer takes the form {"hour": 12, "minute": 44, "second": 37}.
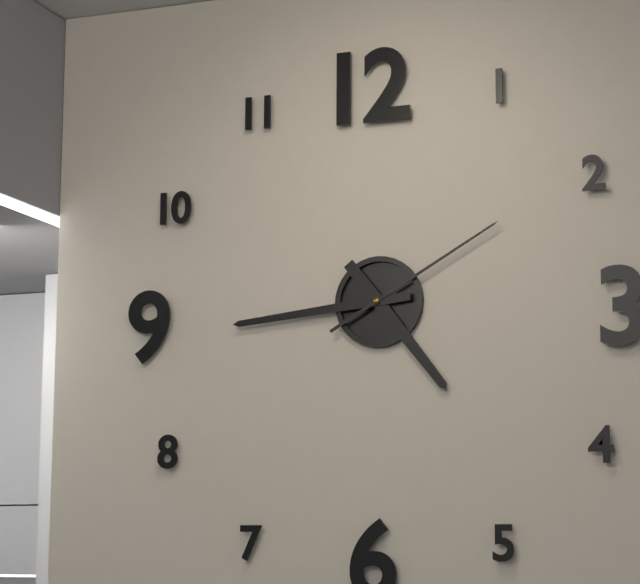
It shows {"hour": 4, "minute": 44, "second": 10}
